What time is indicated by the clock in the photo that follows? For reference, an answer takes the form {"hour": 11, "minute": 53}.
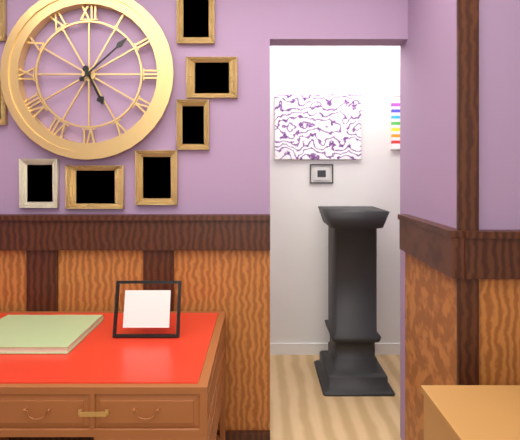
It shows {"hour": 5, "minute": 8}
